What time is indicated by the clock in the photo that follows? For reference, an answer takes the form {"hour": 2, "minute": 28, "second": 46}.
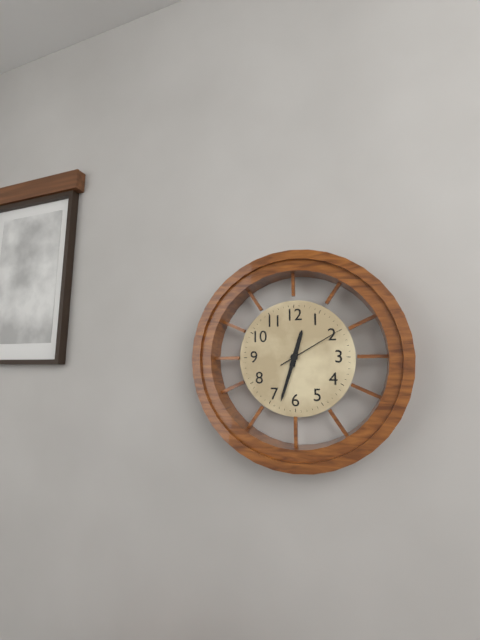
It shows {"hour": 12, "minute": 33, "second": 10}
